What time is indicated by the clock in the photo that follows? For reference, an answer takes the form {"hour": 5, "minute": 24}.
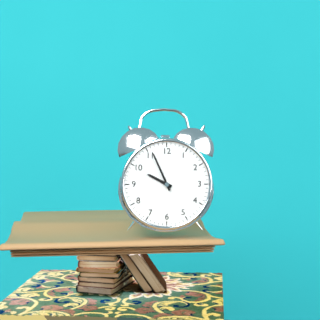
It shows {"hour": 9, "minute": 56}
